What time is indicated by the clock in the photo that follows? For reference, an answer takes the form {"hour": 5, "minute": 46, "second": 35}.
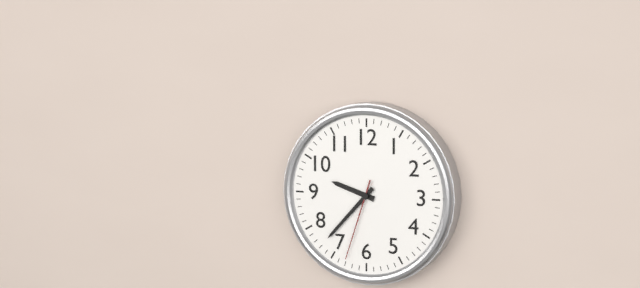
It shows {"hour": 9, "minute": 37, "second": 33}
